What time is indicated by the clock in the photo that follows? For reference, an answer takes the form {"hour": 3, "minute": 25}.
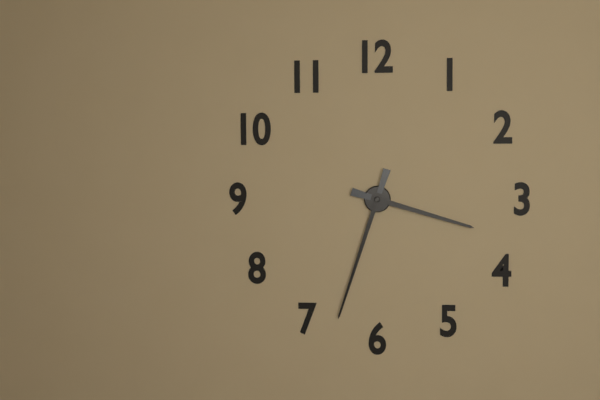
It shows {"hour": 3, "minute": 33}
